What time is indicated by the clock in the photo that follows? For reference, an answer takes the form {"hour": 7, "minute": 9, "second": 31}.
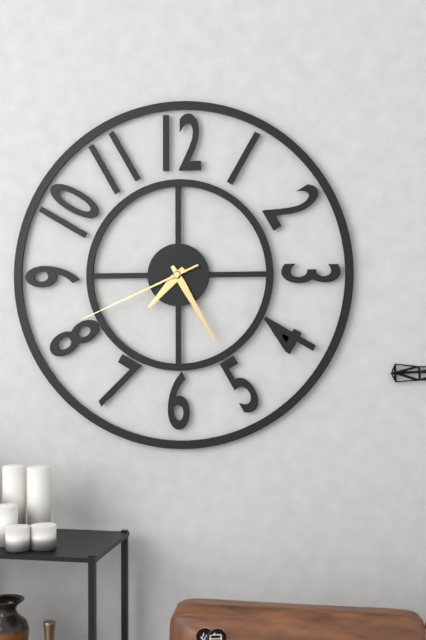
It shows {"hour": 7, "minute": 25, "second": 41}
